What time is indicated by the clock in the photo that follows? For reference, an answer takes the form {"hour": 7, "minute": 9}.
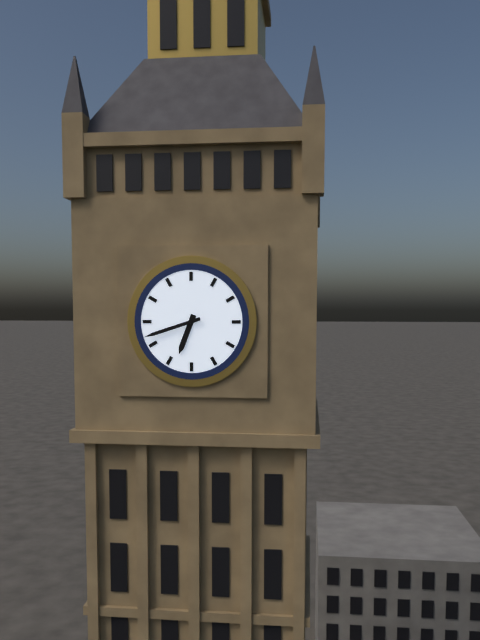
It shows {"hour": 6, "minute": 42}
